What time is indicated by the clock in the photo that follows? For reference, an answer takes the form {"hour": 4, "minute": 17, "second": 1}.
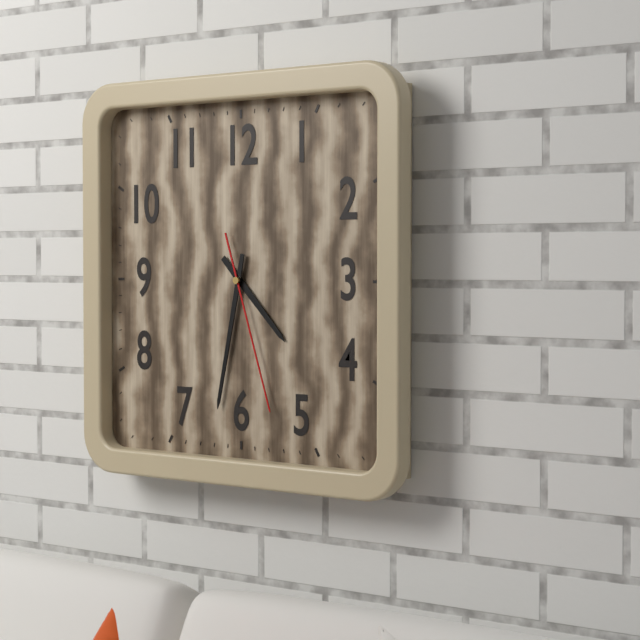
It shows {"hour": 4, "minute": 32, "second": 27}
